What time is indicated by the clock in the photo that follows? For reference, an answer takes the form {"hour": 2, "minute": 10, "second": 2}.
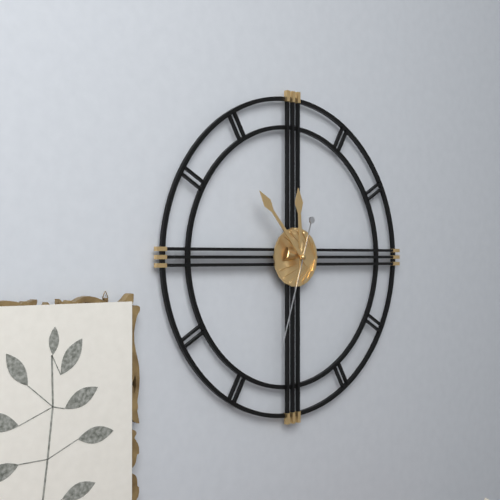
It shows {"hour": 11, "minute": 53, "second": 33}
